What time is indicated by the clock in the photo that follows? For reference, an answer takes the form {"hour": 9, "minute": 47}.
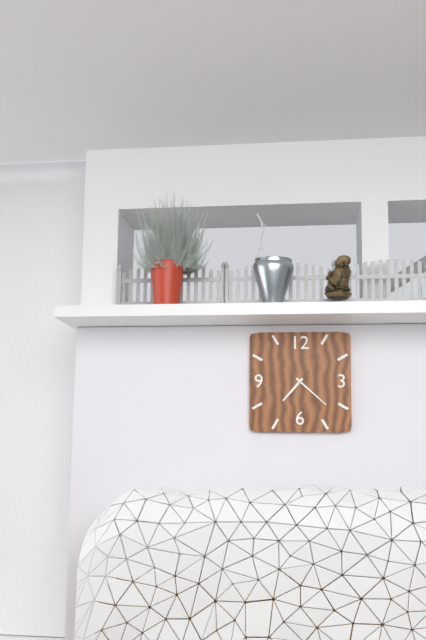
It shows {"hour": 7, "minute": 22}
